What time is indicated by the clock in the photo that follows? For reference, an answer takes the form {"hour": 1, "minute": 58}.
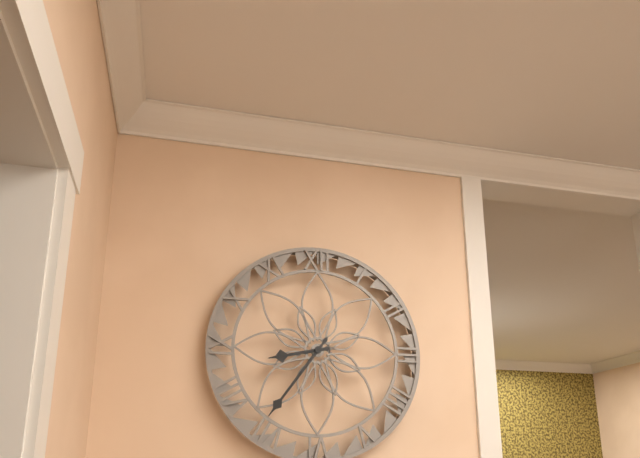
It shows {"hour": 8, "minute": 36}
